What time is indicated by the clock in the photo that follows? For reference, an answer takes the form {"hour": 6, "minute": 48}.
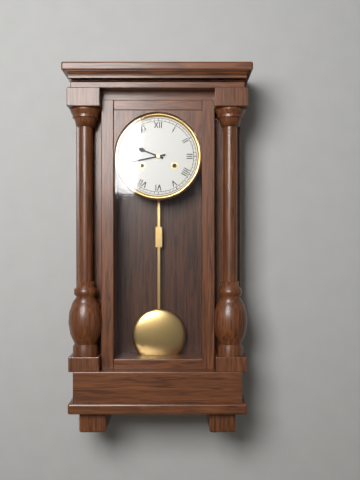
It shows {"hour": 9, "minute": 43}
